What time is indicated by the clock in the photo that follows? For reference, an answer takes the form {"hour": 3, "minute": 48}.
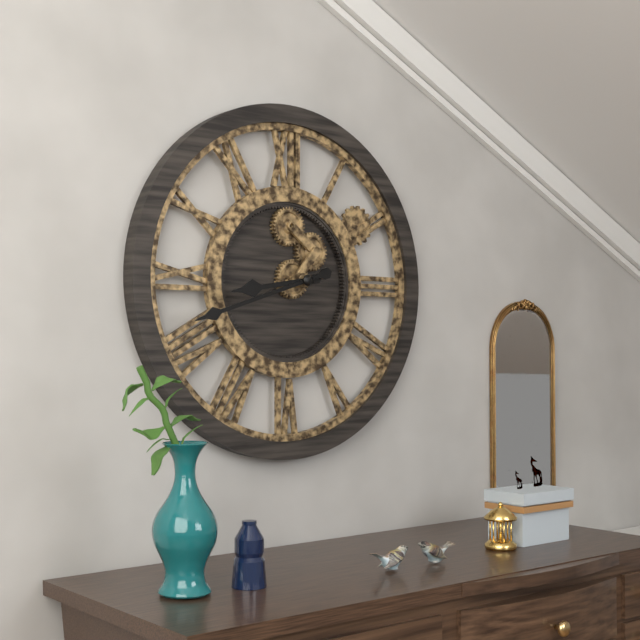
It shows {"hour": 8, "minute": 42}
